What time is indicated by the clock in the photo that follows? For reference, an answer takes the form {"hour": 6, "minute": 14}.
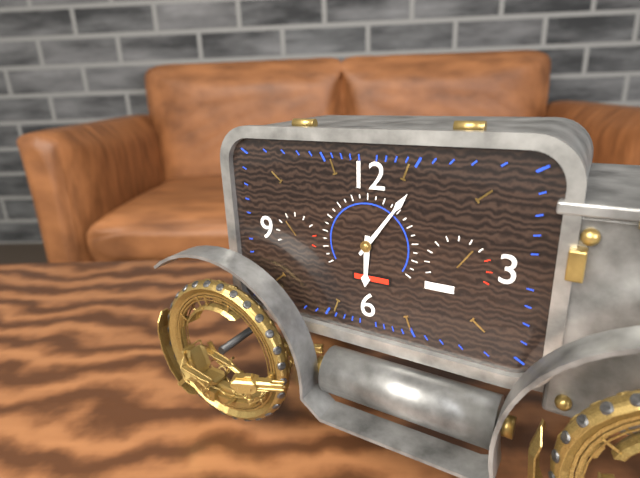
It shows {"hour": 6, "minute": 6}
